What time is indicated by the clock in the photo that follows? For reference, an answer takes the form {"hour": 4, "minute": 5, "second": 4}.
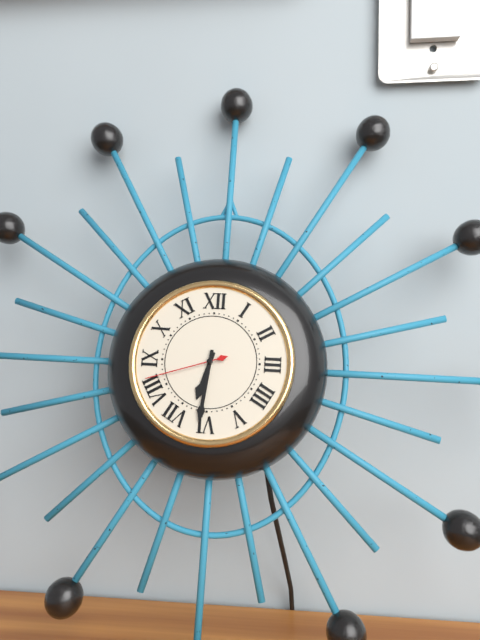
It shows {"hour": 6, "minute": 31, "second": 42}
